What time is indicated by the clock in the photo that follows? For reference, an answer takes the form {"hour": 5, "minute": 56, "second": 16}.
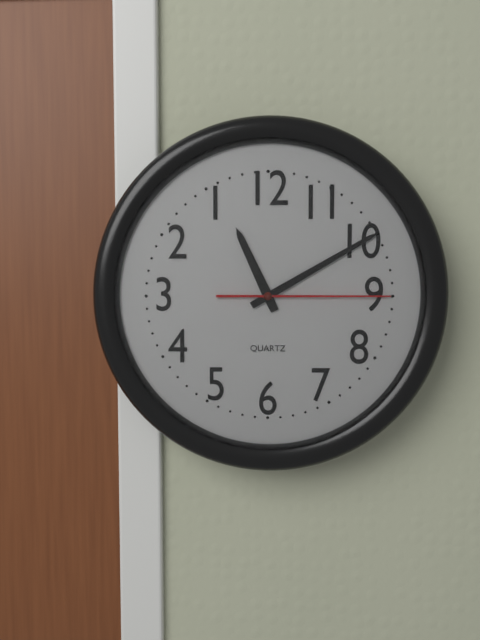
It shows {"hour": 11, "minute": 10, "second": 15}
